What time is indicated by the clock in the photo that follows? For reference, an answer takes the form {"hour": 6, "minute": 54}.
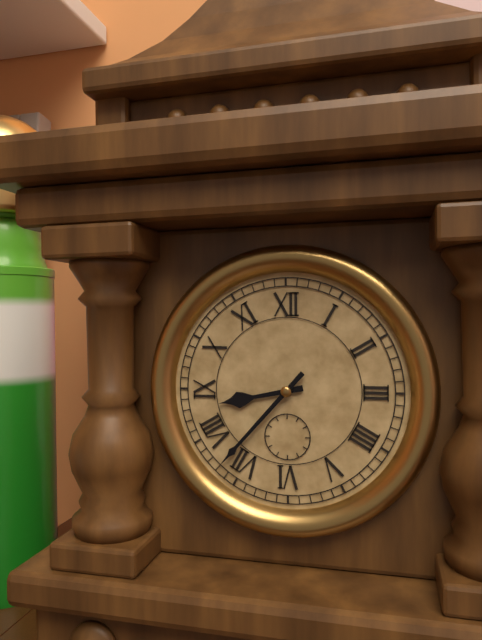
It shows {"hour": 8, "minute": 37}
